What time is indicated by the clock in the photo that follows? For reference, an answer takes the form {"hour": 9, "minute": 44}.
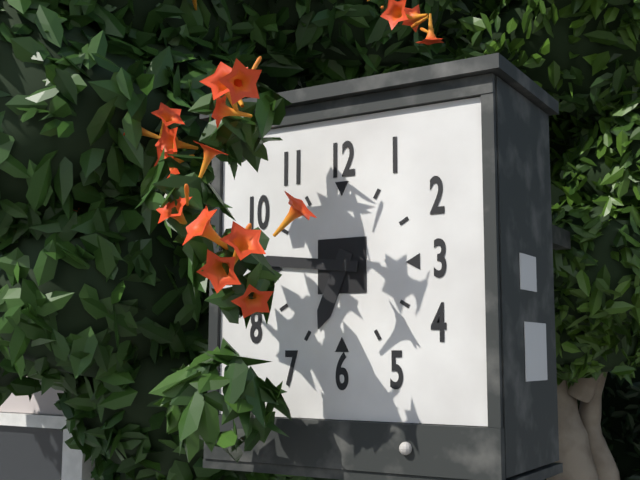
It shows {"hour": 6, "minute": 46}
